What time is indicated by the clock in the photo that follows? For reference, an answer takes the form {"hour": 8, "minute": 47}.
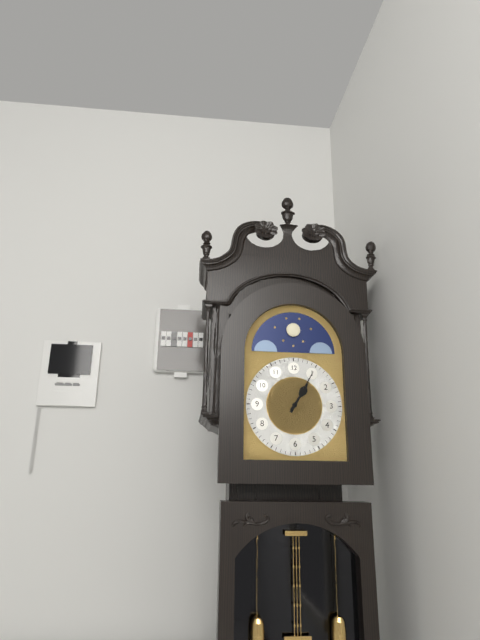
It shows {"hour": 1, "minute": 5}
